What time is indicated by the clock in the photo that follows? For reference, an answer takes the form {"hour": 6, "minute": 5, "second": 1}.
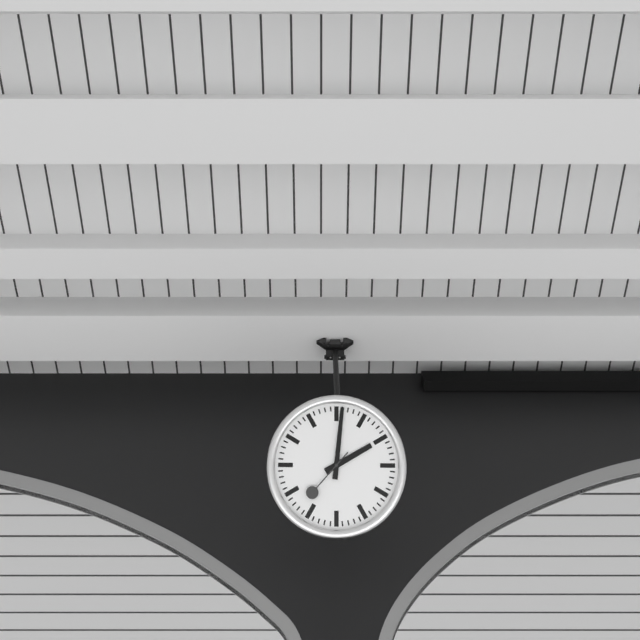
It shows {"hour": 2, "minute": 1, "second": 37}
